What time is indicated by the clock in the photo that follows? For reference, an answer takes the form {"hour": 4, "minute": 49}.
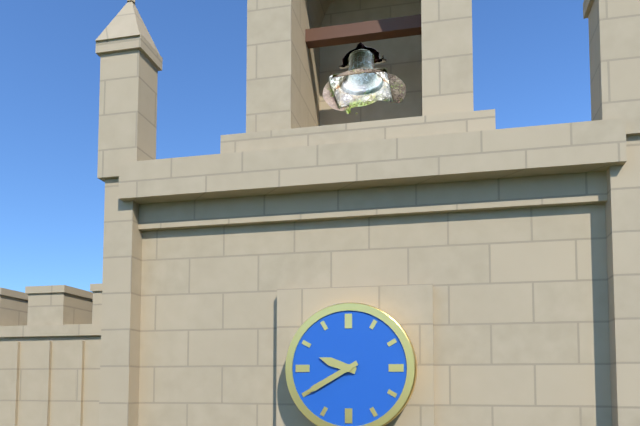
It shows {"hour": 9, "minute": 40}
